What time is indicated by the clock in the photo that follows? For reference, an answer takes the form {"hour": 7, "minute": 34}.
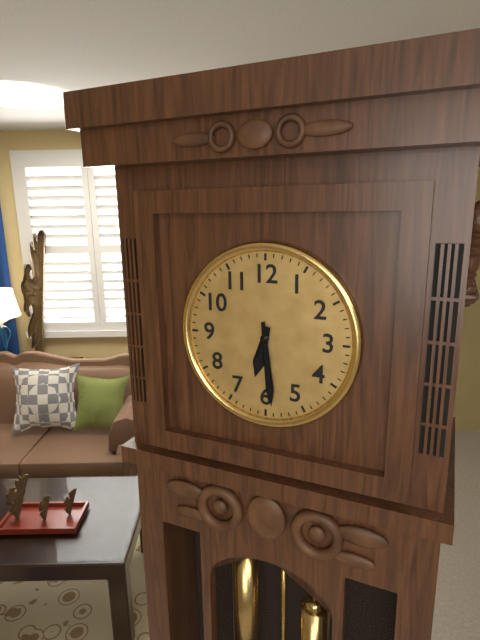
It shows {"hour": 6, "minute": 29}
